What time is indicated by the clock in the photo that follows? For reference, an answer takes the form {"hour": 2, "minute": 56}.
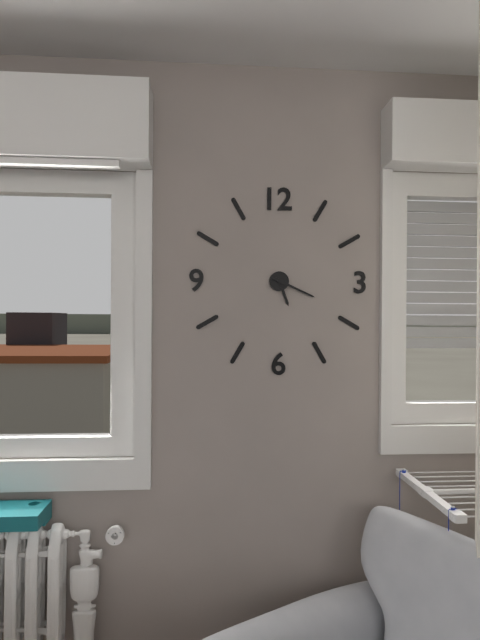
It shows {"hour": 5, "minute": 19}
